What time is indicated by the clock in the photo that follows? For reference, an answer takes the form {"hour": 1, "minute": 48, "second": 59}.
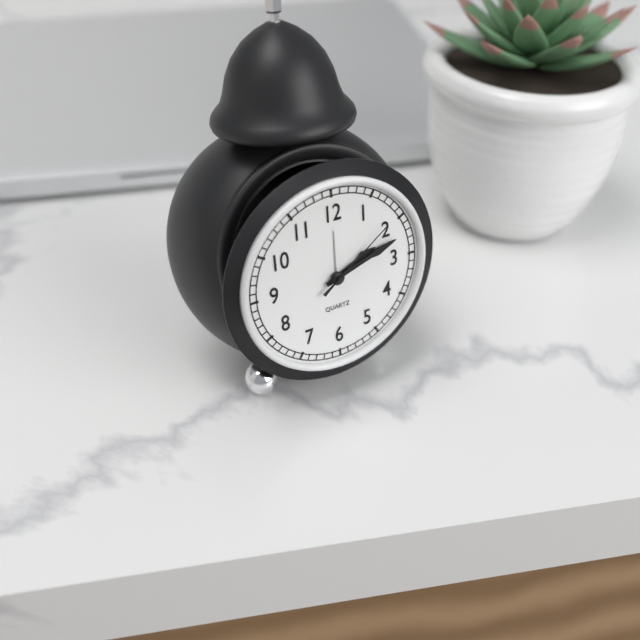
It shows {"hour": 2, "minute": 12, "second": 9}
